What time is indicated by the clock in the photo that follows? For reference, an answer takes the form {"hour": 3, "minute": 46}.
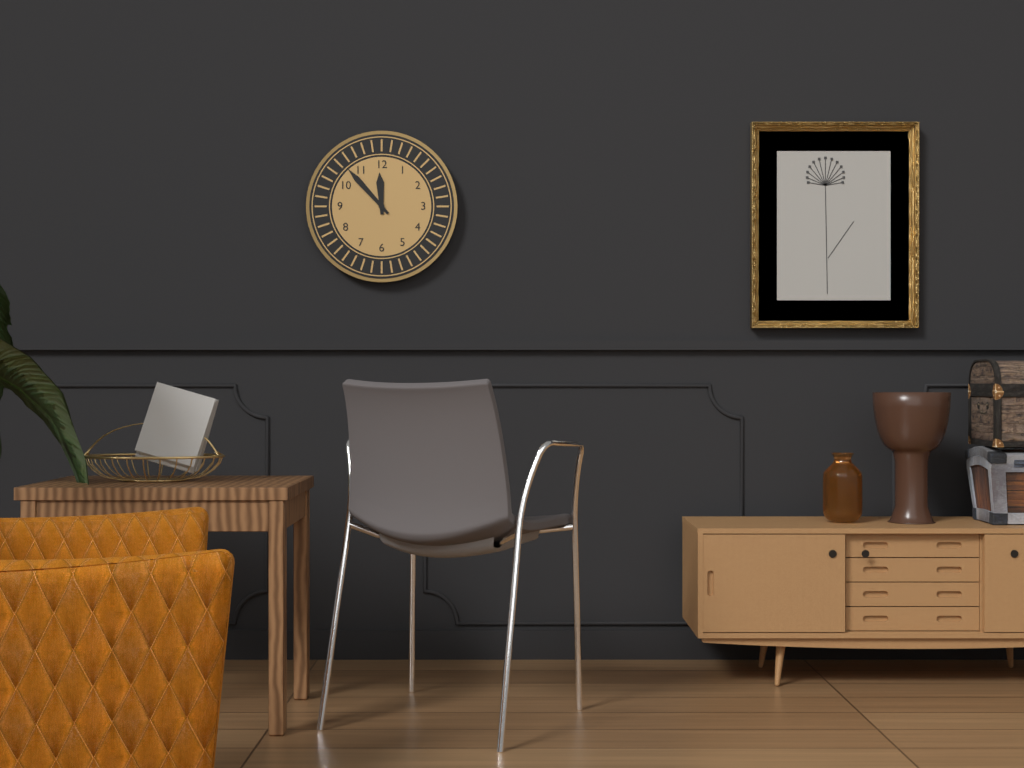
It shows {"hour": 11, "minute": 53}
